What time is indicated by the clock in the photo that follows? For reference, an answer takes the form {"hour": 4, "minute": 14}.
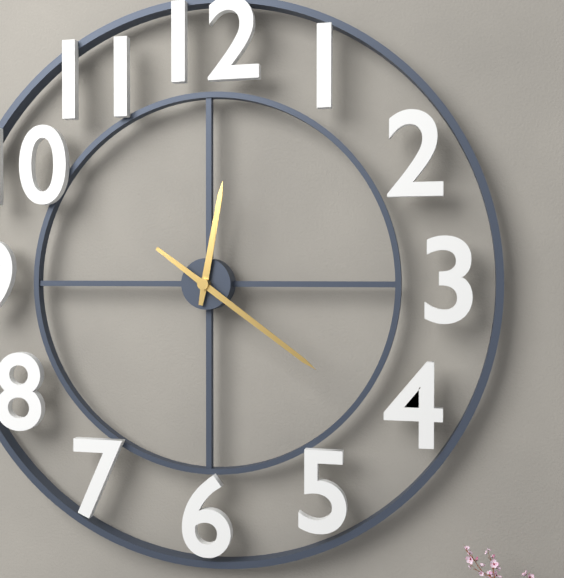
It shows {"hour": 12, "minute": 21}
